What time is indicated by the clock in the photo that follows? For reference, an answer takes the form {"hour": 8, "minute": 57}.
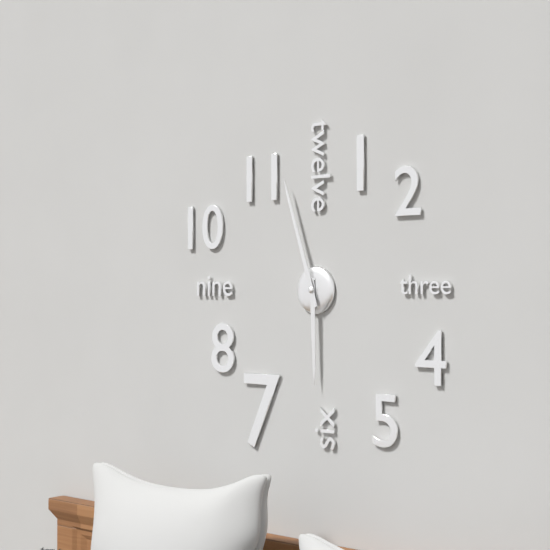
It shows {"hour": 5, "minute": 57}
